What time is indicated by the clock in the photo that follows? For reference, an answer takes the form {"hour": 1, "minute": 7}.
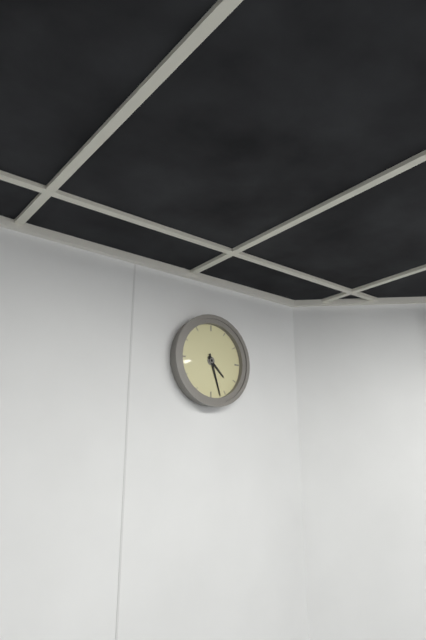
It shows {"hour": 4, "minute": 27}
